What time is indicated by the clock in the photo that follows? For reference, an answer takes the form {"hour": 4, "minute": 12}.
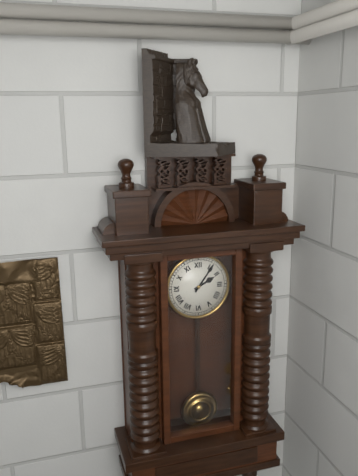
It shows {"hour": 2, "minute": 6}
